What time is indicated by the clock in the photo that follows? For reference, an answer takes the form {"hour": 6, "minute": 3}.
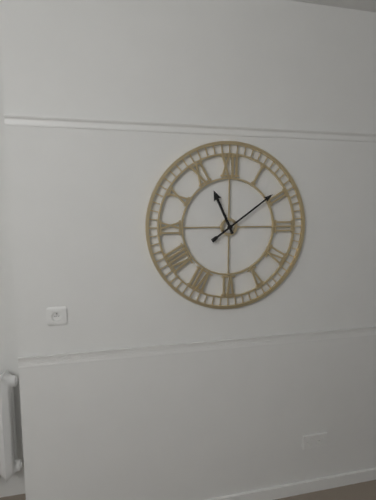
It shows {"hour": 11, "minute": 9}
